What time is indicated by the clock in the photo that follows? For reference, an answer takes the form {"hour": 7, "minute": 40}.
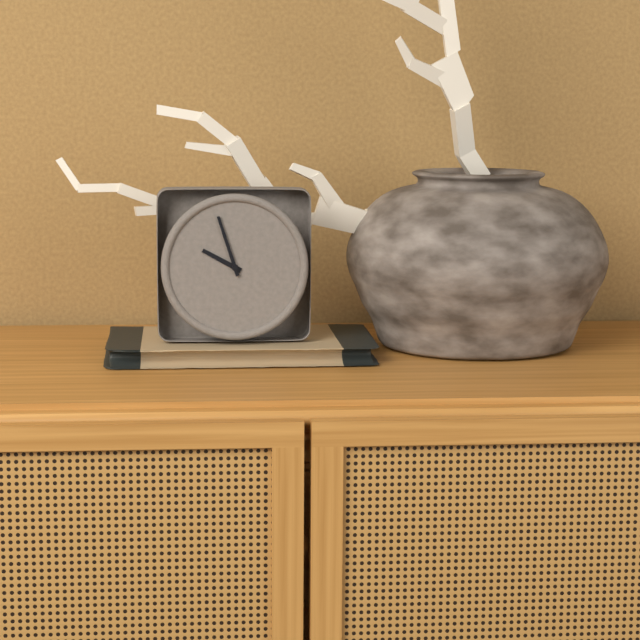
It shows {"hour": 9, "minute": 57}
